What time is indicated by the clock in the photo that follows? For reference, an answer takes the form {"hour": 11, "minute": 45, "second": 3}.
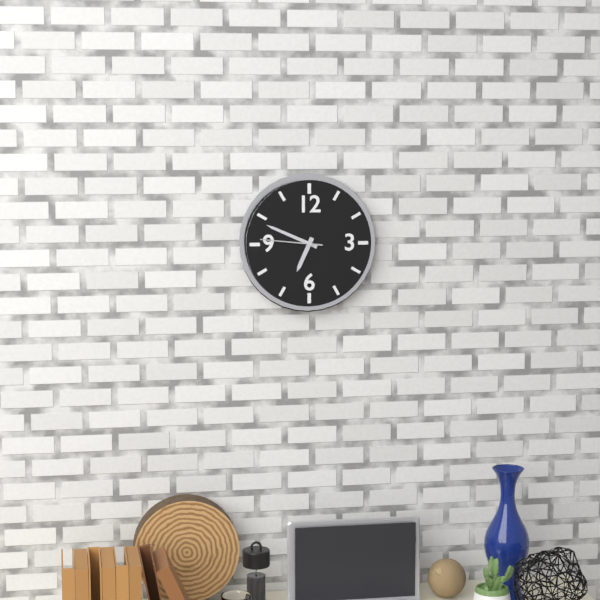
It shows {"hour": 6, "minute": 49, "second": 46}
